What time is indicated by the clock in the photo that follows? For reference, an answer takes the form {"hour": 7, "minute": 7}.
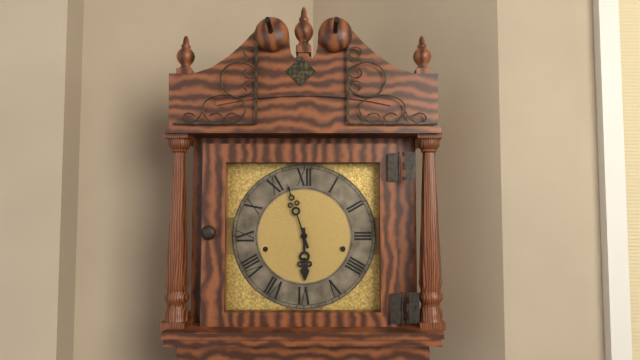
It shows {"hour": 5, "minute": 57}
